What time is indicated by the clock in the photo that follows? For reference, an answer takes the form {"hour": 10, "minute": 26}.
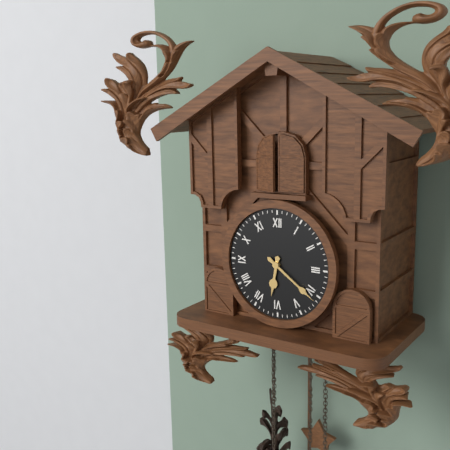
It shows {"hour": 6, "minute": 21}
